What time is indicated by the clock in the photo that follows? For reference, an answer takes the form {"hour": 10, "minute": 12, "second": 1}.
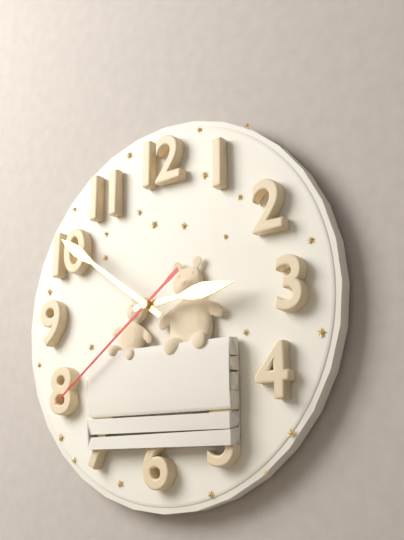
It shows {"hour": 2, "minute": 51, "second": 39}
